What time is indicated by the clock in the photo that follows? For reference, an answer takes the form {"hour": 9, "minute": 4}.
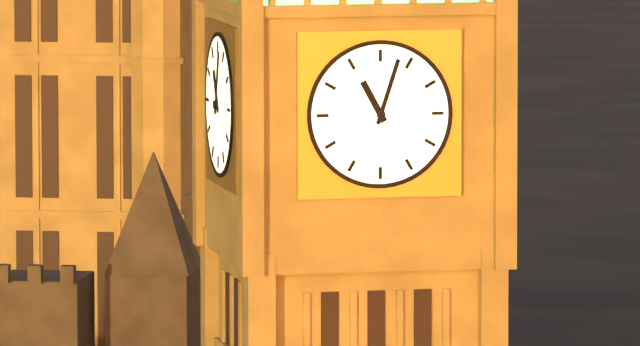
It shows {"hour": 11, "minute": 3}
